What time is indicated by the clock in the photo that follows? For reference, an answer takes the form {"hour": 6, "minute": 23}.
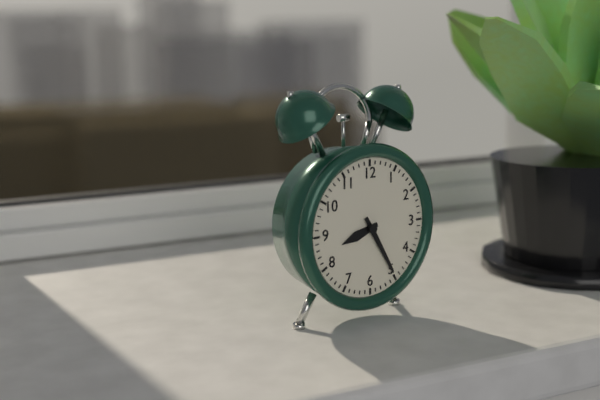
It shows {"hour": 8, "minute": 25}
